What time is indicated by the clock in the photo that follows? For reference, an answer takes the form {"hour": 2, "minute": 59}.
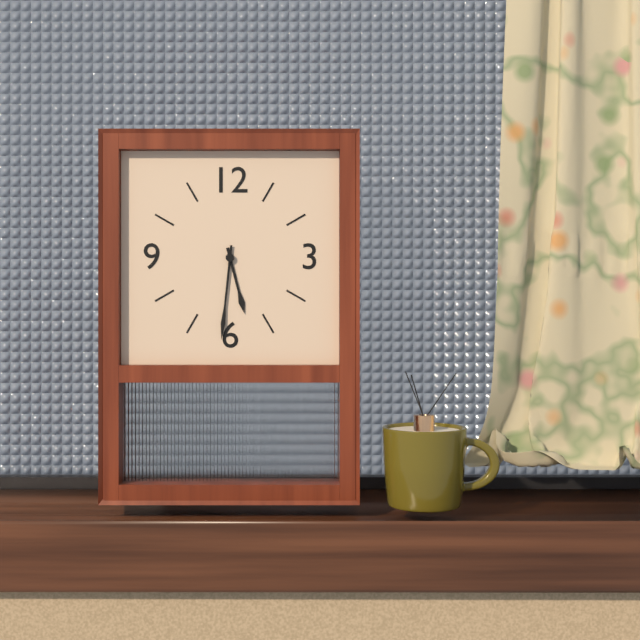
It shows {"hour": 5, "minute": 31}
